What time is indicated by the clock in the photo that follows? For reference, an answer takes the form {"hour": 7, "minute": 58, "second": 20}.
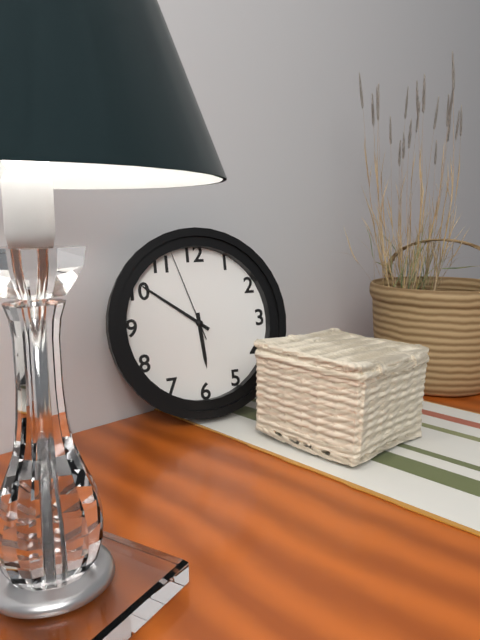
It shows {"hour": 5, "minute": 51, "second": 57}
